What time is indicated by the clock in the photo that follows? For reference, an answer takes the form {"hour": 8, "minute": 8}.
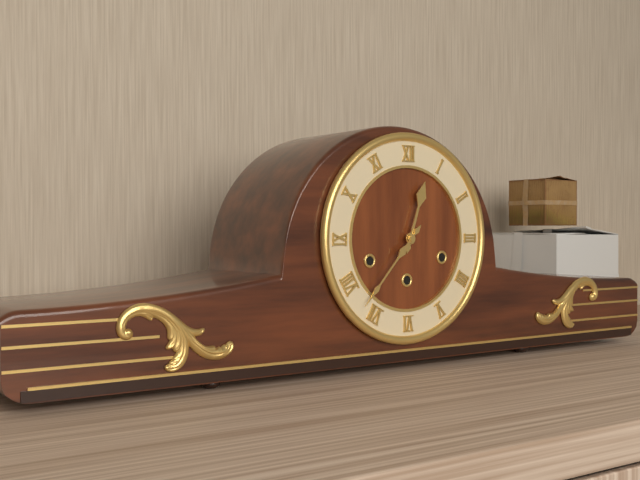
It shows {"hour": 12, "minute": 37}
